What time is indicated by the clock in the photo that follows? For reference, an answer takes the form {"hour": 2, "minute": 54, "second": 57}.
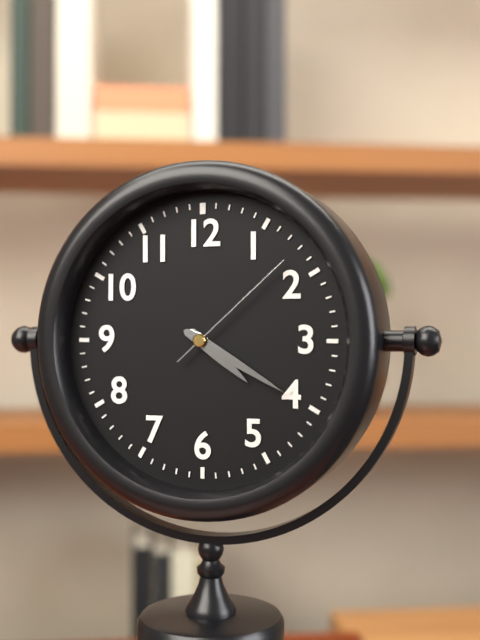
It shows {"hour": 4, "minute": 20, "second": 8}
